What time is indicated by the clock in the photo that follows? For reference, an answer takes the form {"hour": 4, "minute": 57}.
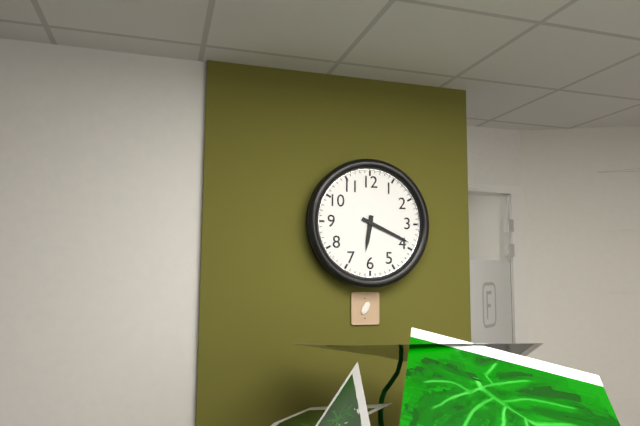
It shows {"hour": 6, "minute": 19}
